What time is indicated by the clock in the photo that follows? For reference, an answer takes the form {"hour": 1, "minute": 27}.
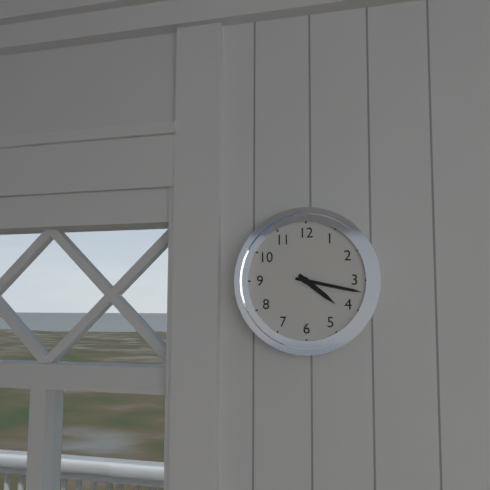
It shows {"hour": 4, "minute": 17}
